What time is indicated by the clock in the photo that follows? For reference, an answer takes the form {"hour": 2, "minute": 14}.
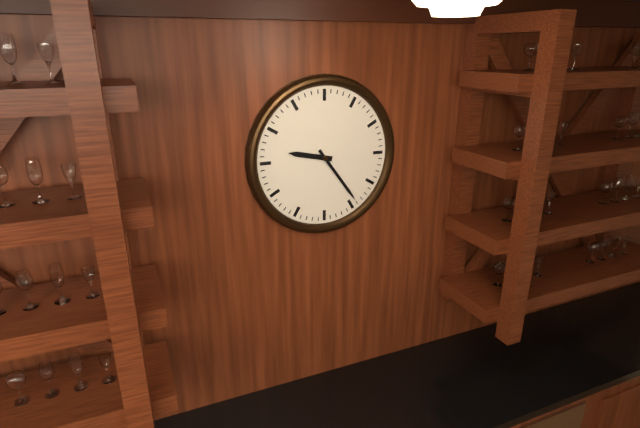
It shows {"hour": 9, "minute": 24}
